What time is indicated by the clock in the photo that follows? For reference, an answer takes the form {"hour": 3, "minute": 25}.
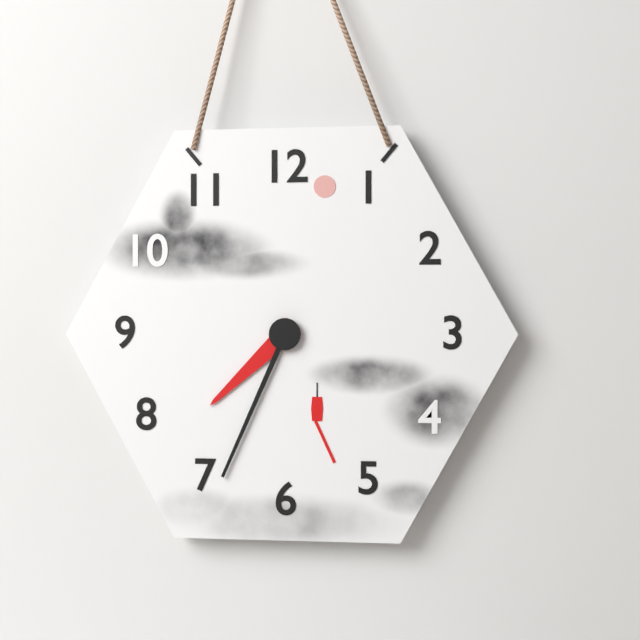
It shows {"hour": 7, "minute": 34}
